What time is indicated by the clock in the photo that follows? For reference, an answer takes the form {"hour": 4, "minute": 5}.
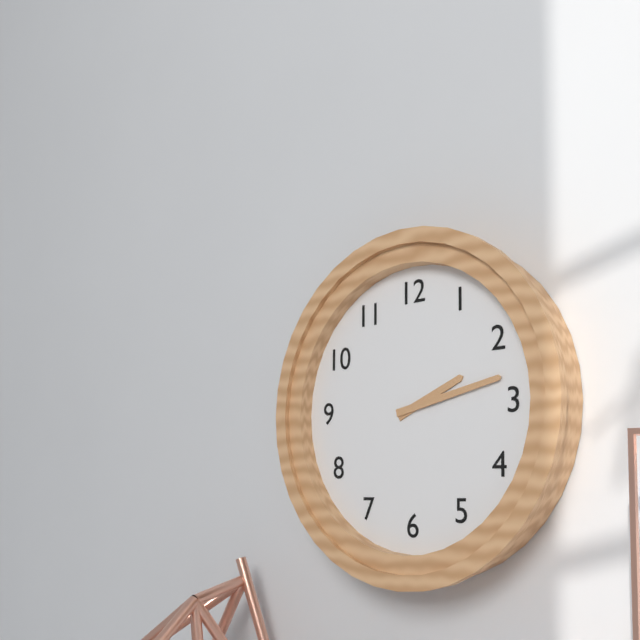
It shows {"hour": 2, "minute": 13}
